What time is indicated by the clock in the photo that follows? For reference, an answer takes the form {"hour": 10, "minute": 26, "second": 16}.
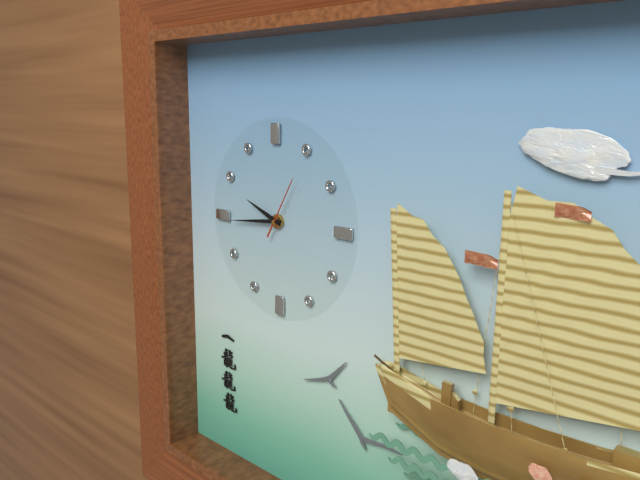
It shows {"hour": 9, "minute": 44, "second": 5}
